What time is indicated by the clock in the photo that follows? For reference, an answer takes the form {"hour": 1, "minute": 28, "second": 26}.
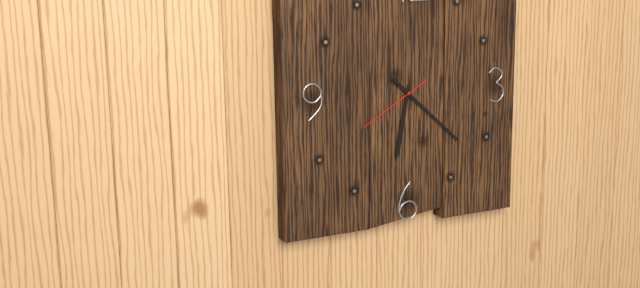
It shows {"hour": 6, "minute": 22, "second": 40}
